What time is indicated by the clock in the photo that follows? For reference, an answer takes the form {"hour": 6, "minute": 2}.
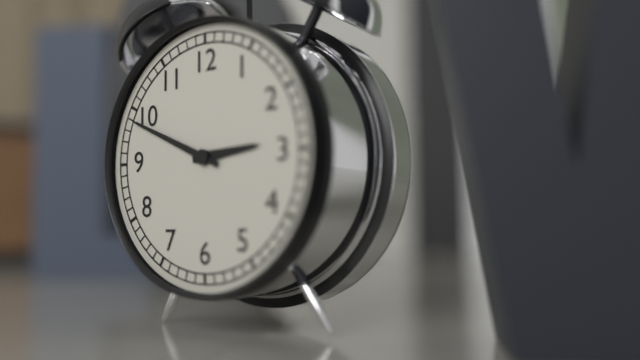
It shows {"hour": 2, "minute": 49}
